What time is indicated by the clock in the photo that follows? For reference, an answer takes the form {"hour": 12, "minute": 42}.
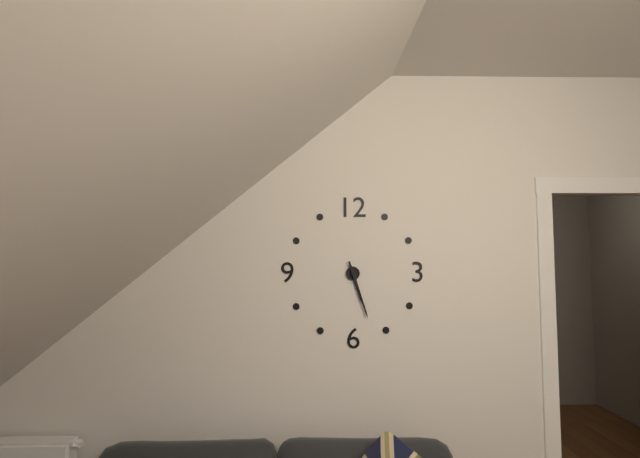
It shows {"hour": 5, "minute": 27}
